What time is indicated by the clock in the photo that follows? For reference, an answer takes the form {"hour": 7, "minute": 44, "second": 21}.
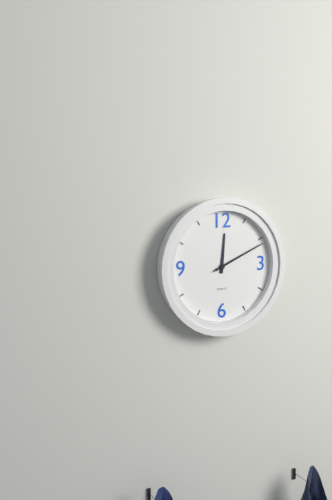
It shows {"hour": 12, "minute": 11, "second": 11}
